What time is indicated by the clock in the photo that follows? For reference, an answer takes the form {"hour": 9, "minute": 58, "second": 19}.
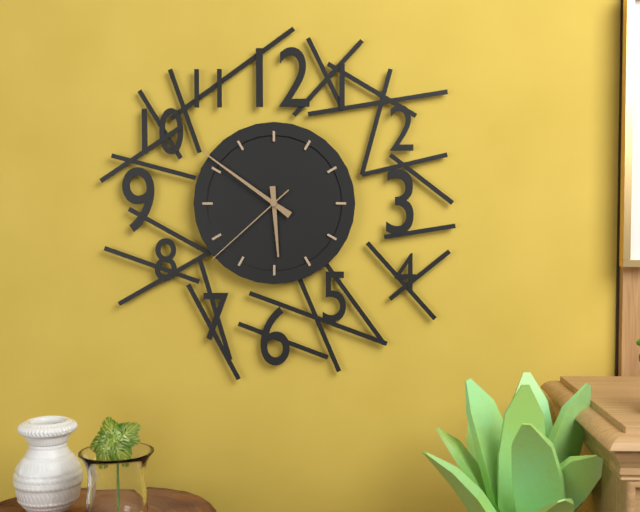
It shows {"hour": 5, "minute": 51, "second": 38}
